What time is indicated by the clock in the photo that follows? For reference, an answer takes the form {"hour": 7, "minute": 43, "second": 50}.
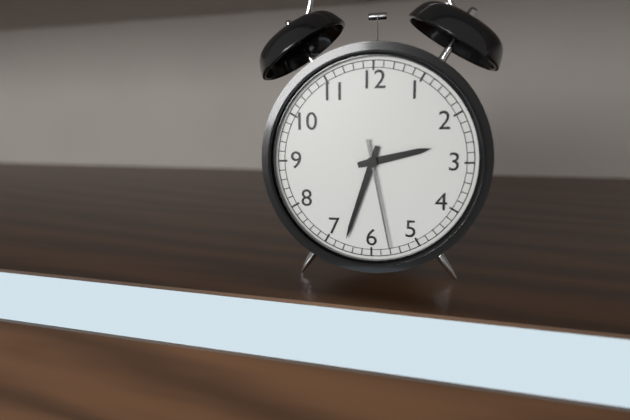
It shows {"hour": 2, "minute": 33, "second": 28}
